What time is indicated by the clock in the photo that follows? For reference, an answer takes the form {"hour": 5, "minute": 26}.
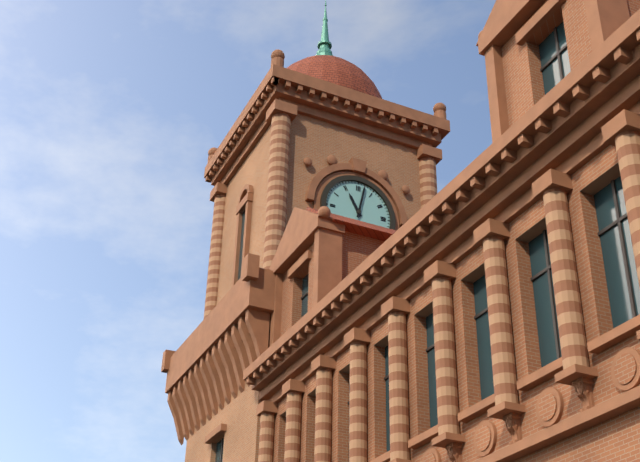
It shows {"hour": 11, "minute": 2}
